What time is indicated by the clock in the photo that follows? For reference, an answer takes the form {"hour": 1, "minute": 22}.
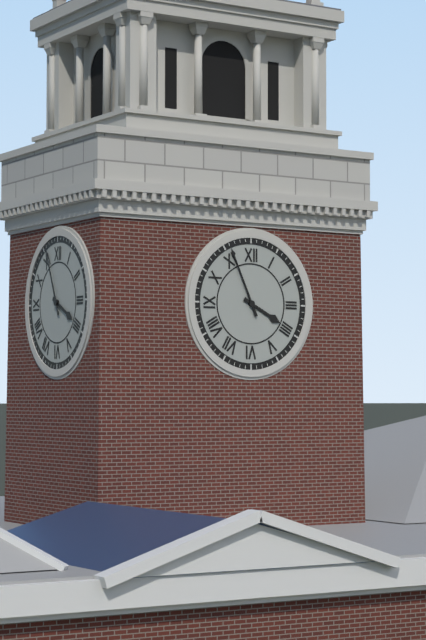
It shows {"hour": 3, "minute": 56}
